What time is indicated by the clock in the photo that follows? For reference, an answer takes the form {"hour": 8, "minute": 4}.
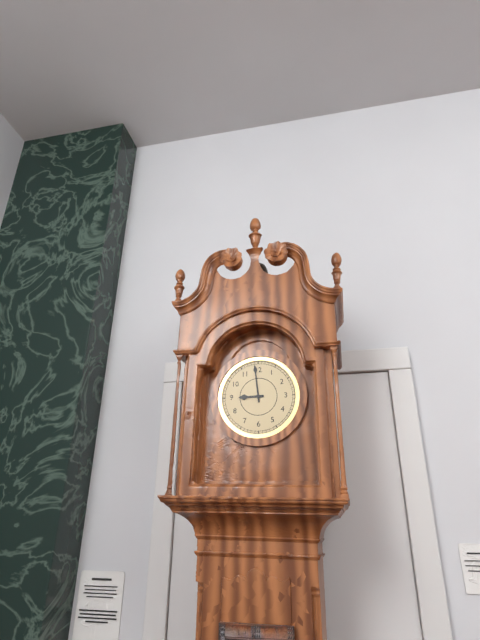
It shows {"hour": 8, "minute": 59}
